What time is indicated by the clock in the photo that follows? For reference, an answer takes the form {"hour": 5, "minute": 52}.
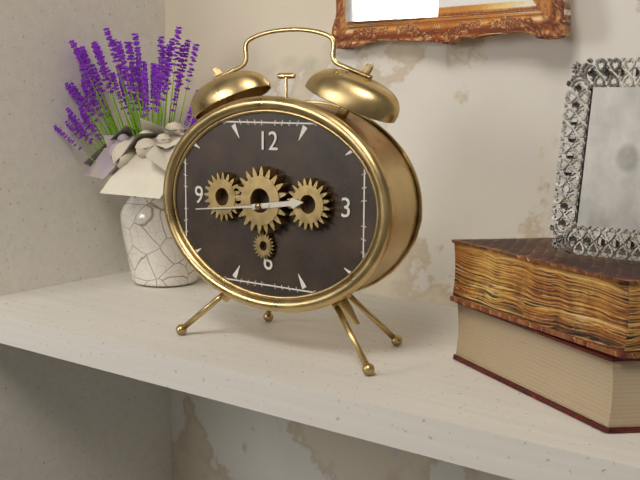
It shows {"hour": 2, "minute": 44}
